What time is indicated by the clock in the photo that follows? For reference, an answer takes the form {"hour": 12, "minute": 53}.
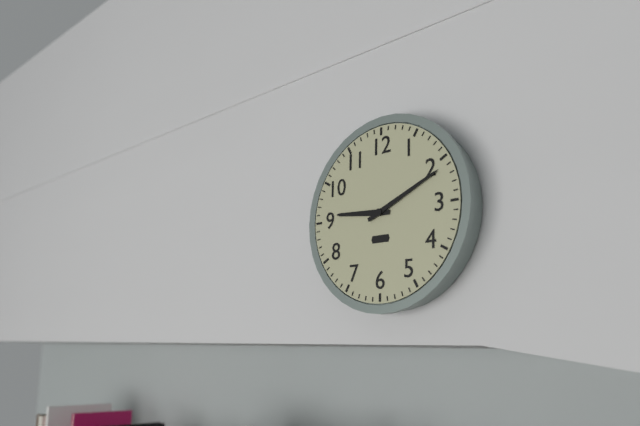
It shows {"hour": 9, "minute": 11}
